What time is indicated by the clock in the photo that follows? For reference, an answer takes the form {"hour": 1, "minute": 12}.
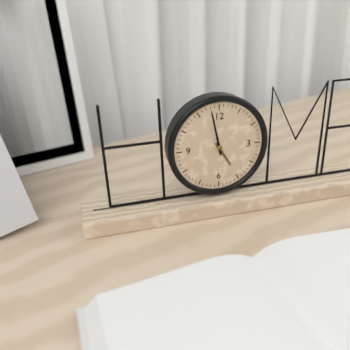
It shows {"hour": 4, "minute": 58}
